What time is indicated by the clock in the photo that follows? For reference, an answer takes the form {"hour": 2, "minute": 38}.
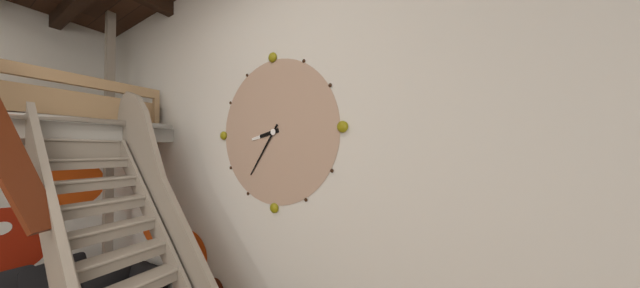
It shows {"hour": 8, "minute": 36}
